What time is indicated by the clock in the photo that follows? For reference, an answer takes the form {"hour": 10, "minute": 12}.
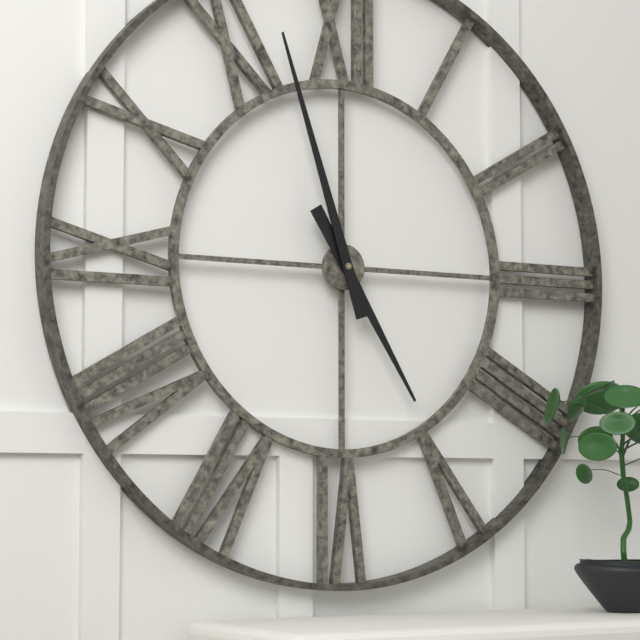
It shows {"hour": 4, "minute": 57}
